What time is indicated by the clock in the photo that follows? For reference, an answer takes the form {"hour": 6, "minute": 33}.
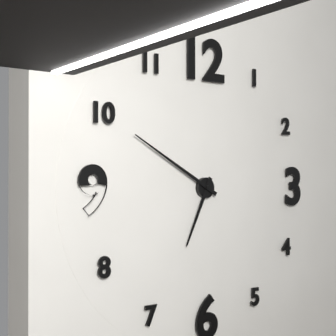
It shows {"hour": 6, "minute": 50}
